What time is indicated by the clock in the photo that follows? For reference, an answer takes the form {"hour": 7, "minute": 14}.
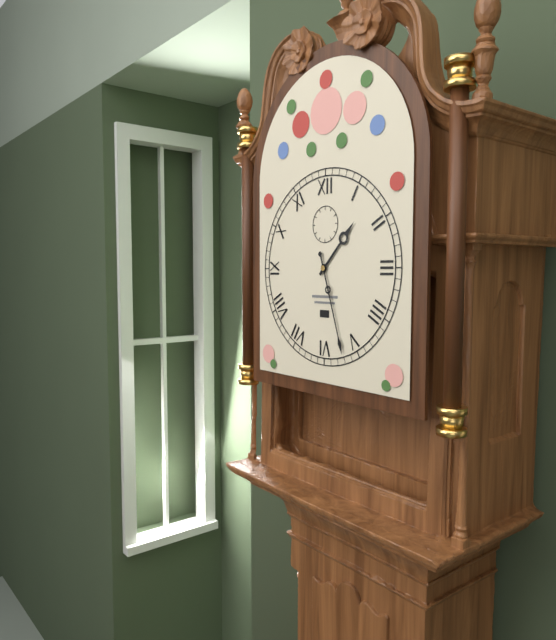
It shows {"hour": 1, "minute": 27}
